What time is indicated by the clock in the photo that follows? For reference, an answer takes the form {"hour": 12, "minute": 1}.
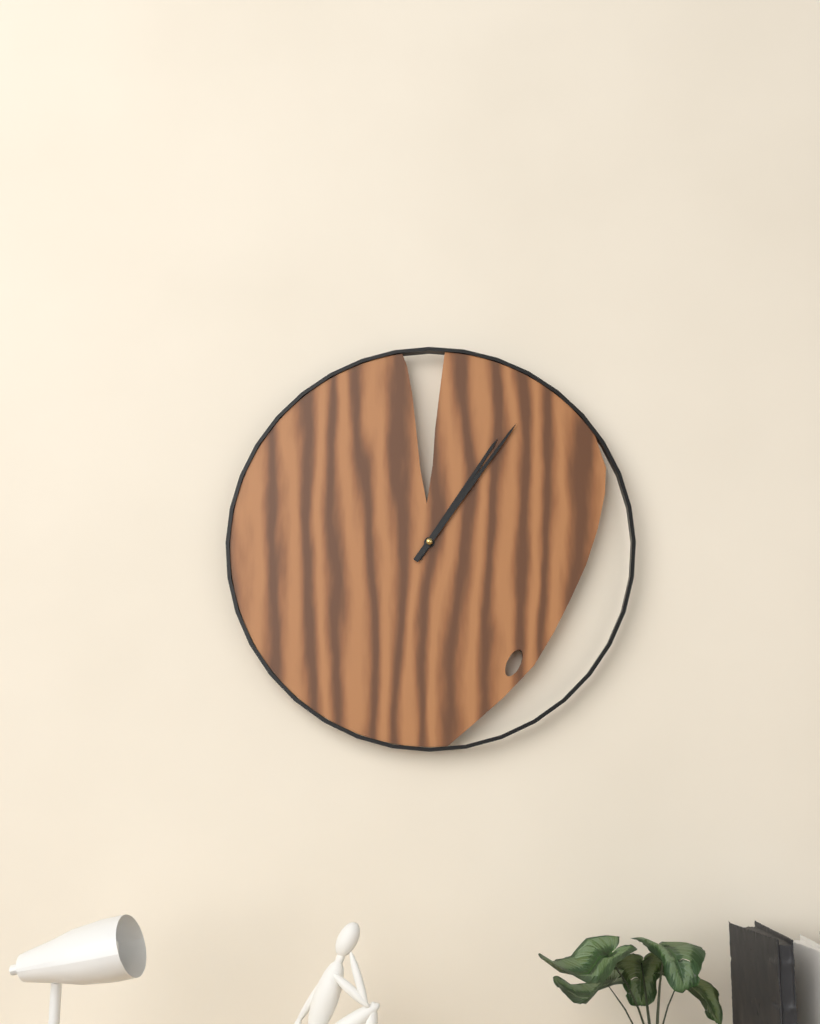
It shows {"hour": 1, "minute": 6}
